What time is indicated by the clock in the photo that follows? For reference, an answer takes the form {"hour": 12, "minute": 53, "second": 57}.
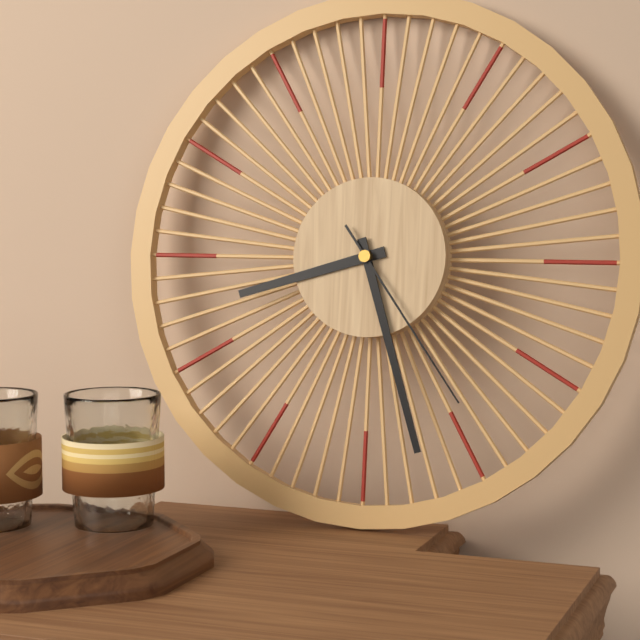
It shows {"hour": 8, "minute": 27, "second": 24}
